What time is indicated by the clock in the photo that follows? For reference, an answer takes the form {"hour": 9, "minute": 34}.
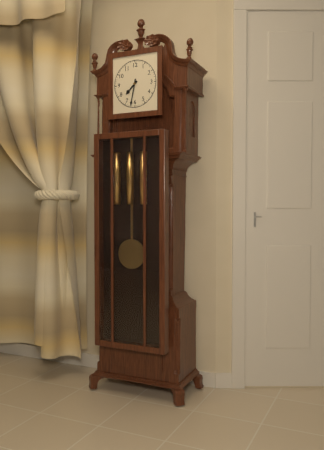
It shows {"hour": 7, "minute": 32}
